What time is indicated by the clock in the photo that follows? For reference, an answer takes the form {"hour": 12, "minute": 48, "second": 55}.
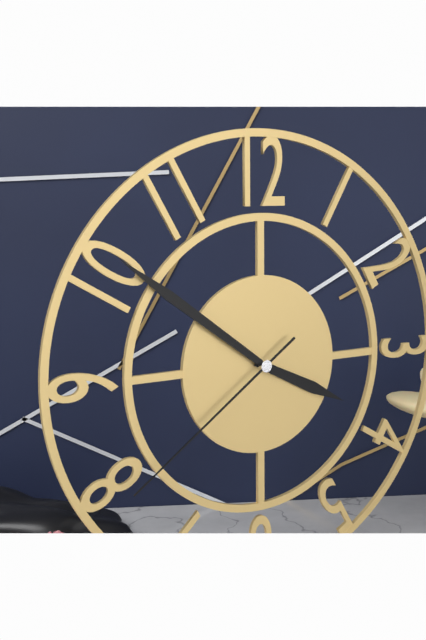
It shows {"hour": 3, "minute": 51, "second": 39}
